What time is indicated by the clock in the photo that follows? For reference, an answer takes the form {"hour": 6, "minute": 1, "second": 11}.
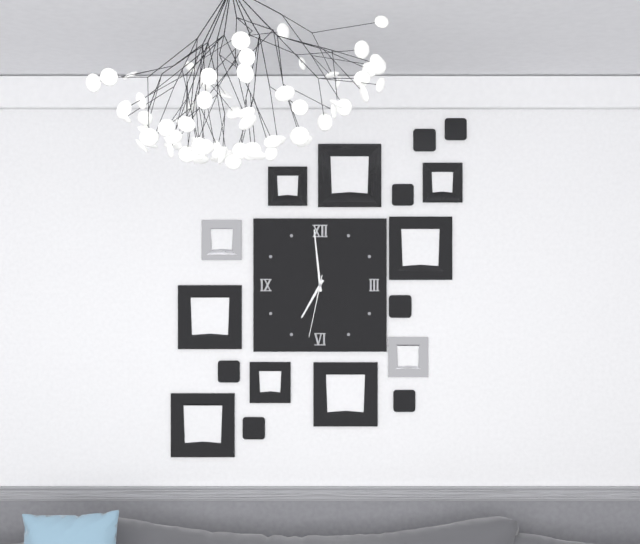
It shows {"hour": 6, "minute": 59, "second": 32}
